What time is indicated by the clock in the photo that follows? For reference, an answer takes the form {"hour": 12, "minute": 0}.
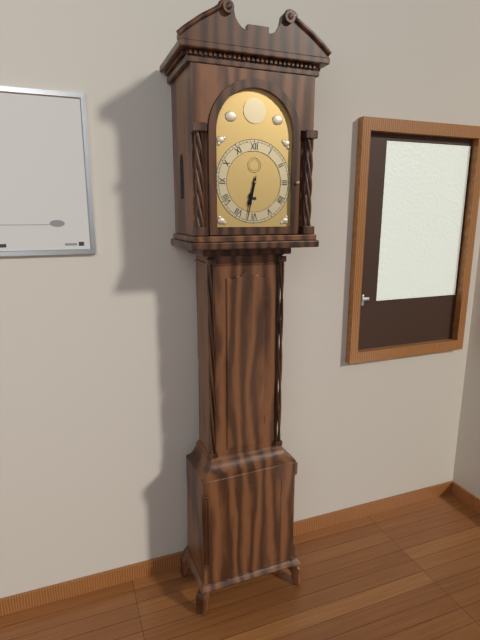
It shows {"hour": 6, "minute": 32}
